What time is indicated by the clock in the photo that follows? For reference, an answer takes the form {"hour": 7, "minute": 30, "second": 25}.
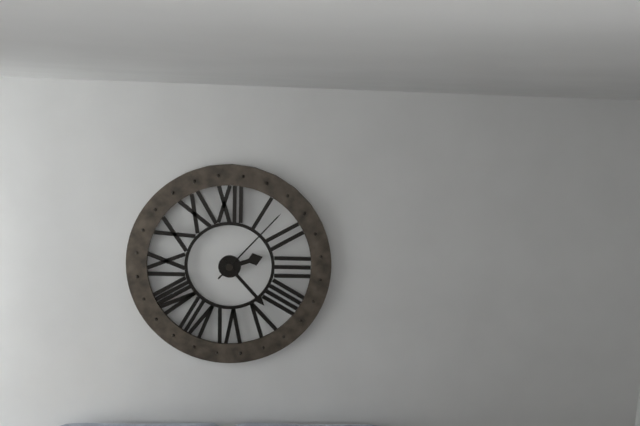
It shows {"hour": 2, "minute": 23, "second": 7}
